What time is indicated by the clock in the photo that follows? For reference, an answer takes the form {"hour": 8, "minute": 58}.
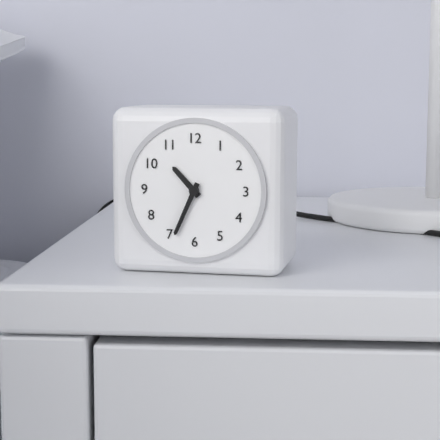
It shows {"hour": 10, "minute": 34}
